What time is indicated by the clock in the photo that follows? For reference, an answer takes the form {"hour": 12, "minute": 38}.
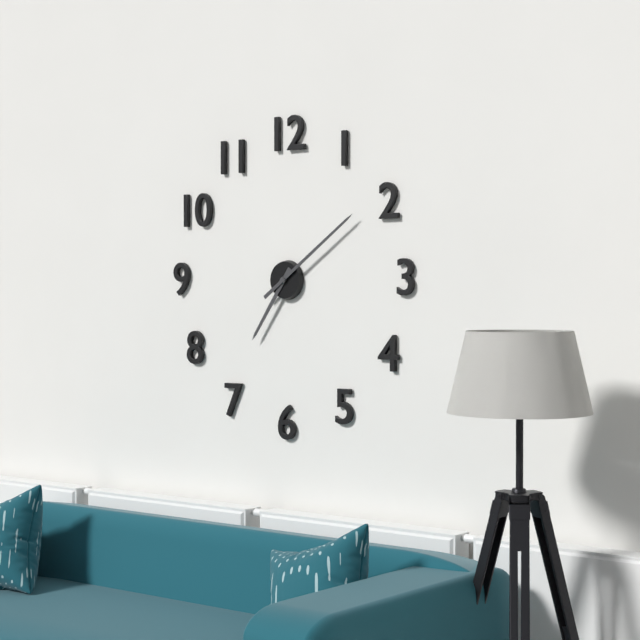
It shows {"hour": 7, "minute": 9}
